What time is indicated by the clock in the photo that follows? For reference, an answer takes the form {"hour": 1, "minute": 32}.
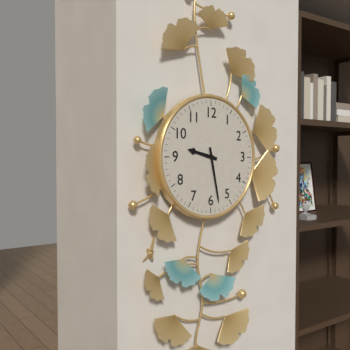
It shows {"hour": 9, "minute": 28}
